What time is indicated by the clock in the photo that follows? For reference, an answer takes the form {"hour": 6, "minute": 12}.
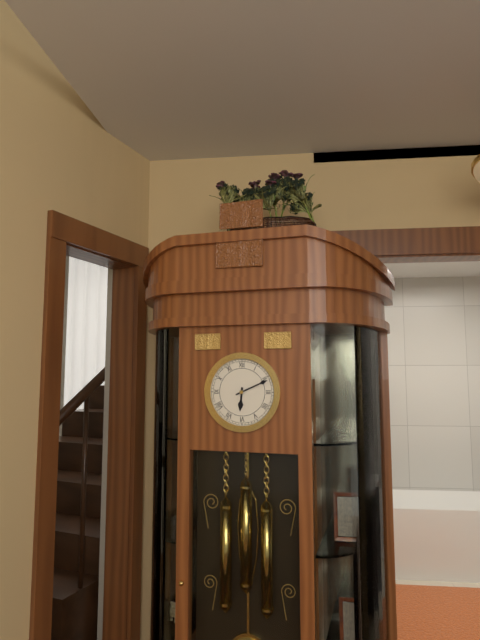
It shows {"hour": 6, "minute": 11}
